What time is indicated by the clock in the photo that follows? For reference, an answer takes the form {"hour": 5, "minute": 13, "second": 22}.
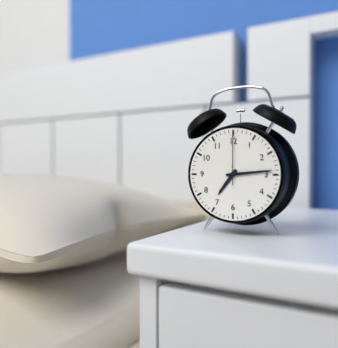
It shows {"hour": 7, "minute": 14, "second": 0}
